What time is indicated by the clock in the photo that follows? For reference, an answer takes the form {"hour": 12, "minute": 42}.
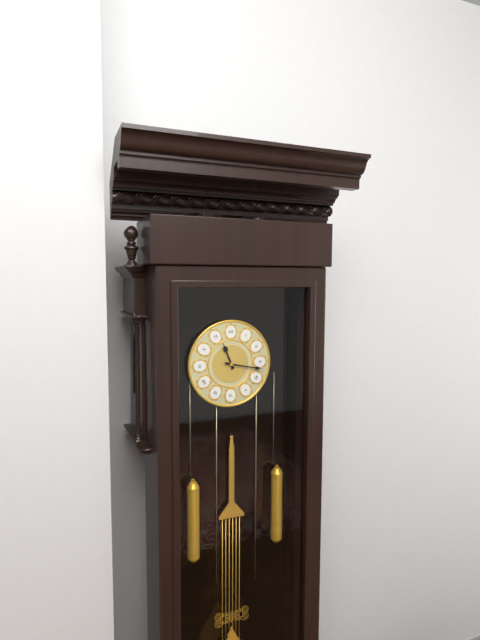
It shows {"hour": 11, "minute": 17}
